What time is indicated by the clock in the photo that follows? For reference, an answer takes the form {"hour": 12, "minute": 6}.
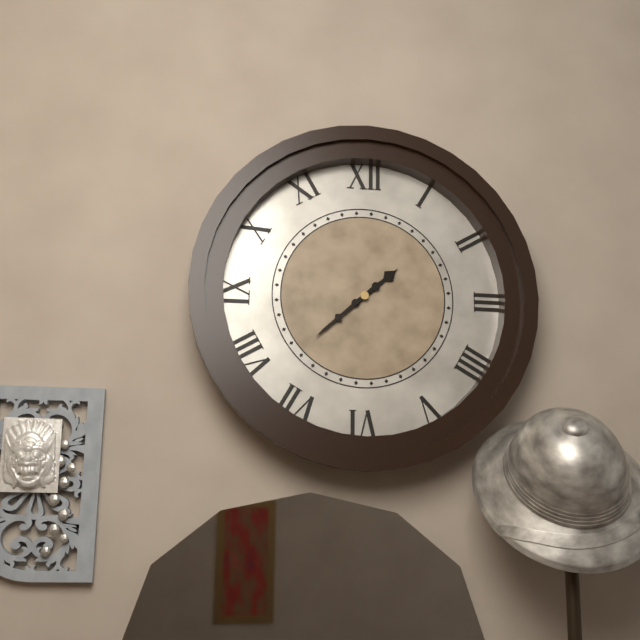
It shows {"hour": 1, "minute": 38}
